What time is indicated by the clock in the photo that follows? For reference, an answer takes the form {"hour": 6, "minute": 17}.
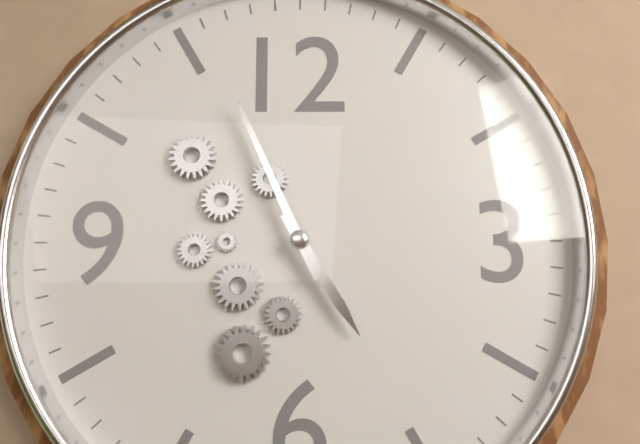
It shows {"hour": 4, "minute": 56}
